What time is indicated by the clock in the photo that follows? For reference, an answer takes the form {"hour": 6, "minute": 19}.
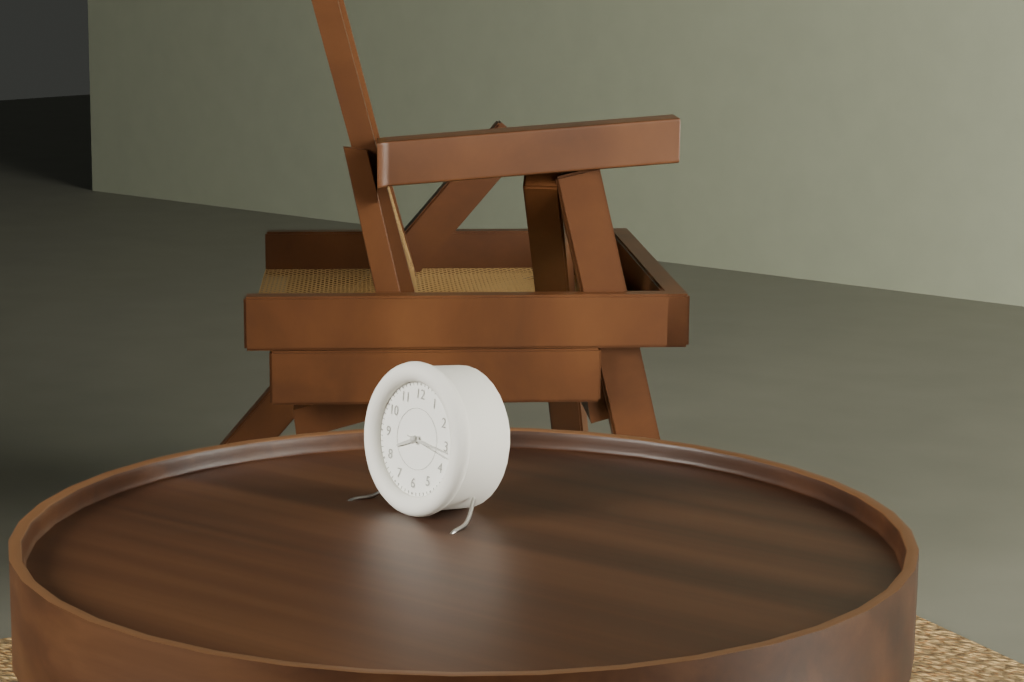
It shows {"hour": 8, "minute": 16}
